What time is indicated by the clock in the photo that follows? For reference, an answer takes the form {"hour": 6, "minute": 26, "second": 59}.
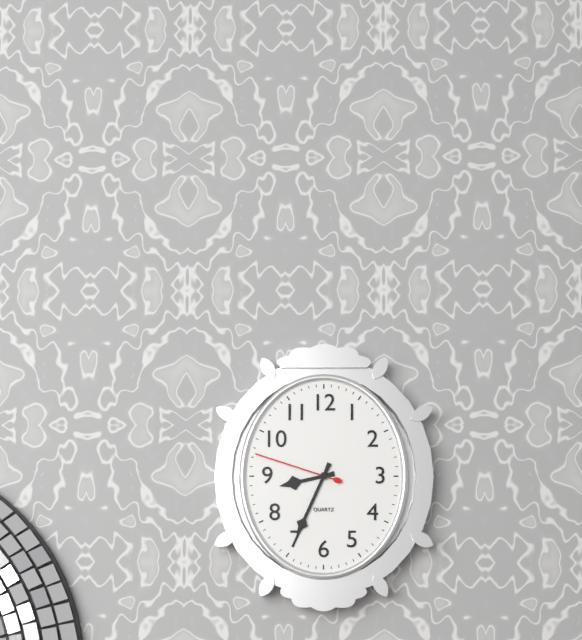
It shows {"hour": 8, "minute": 34, "second": 48}
